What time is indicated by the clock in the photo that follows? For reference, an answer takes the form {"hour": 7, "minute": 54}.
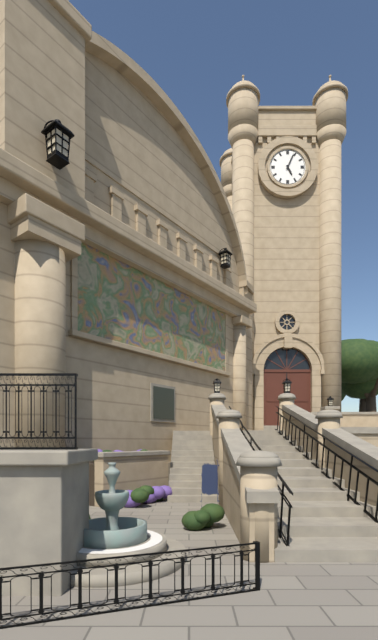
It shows {"hour": 5, "minute": 4}
